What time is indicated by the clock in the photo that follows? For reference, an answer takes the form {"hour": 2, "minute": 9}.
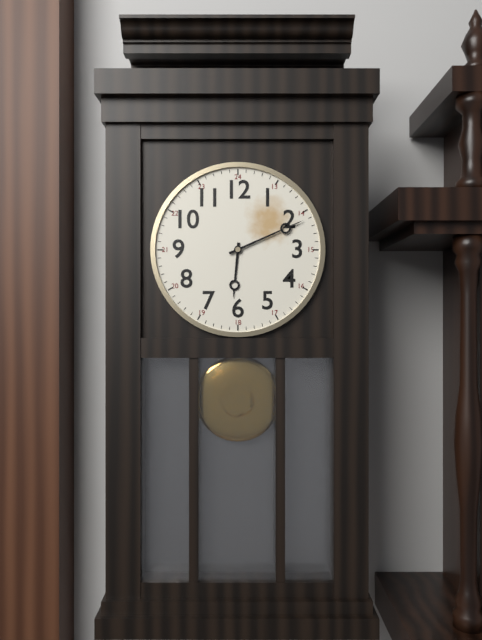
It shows {"hour": 6, "minute": 11}
